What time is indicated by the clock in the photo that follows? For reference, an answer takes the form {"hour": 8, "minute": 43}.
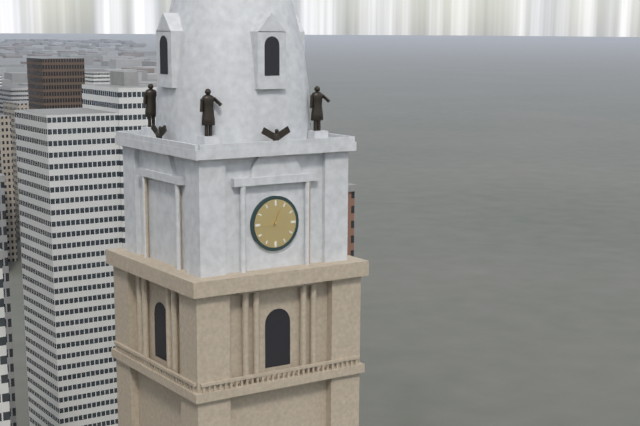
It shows {"hour": 12, "minute": 44}
